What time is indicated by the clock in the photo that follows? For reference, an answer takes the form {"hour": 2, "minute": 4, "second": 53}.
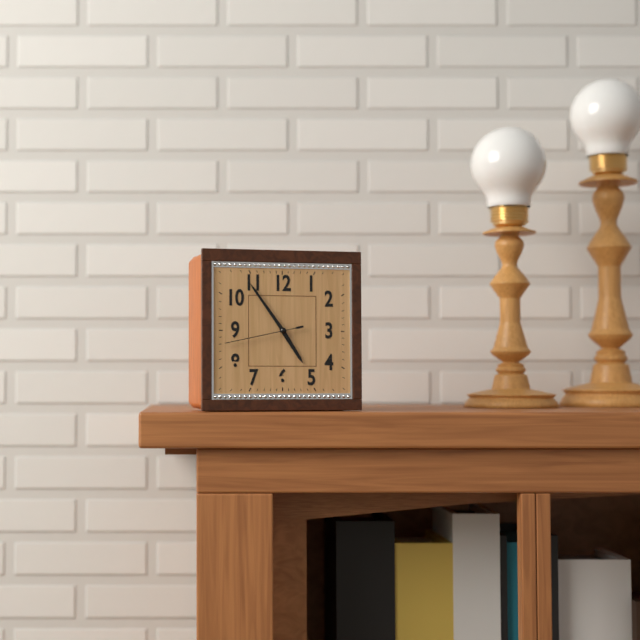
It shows {"hour": 4, "minute": 54, "second": 43}
